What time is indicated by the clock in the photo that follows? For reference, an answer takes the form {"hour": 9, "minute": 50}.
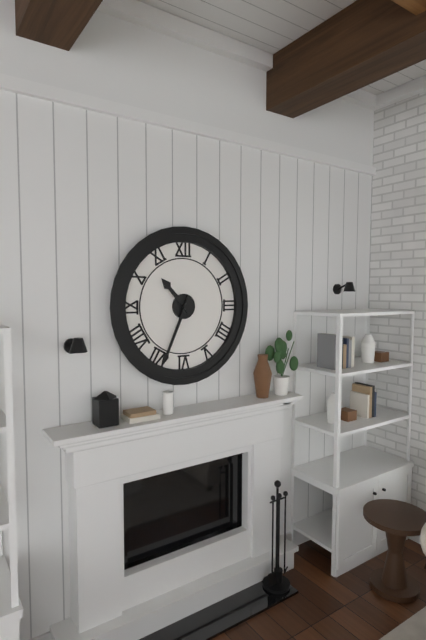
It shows {"hour": 10, "minute": 34}
